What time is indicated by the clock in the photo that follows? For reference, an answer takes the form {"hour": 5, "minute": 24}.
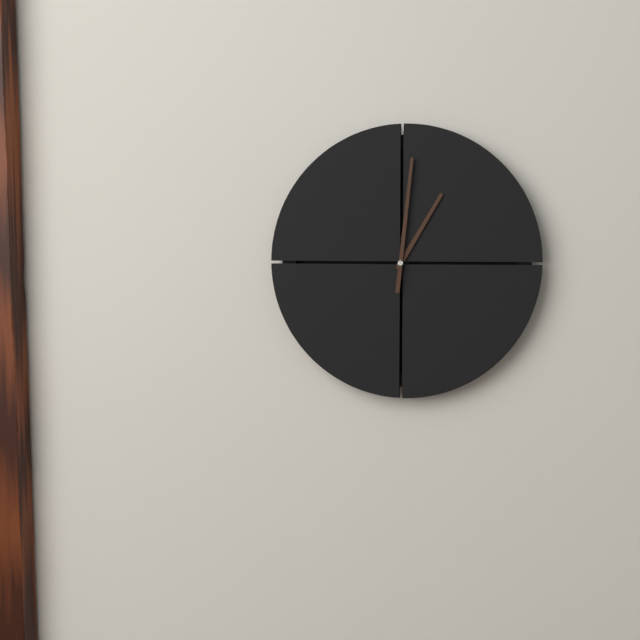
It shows {"hour": 1, "minute": 1}
